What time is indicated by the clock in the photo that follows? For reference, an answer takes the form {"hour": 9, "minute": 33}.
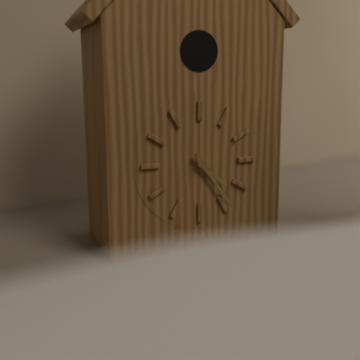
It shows {"hour": 4, "minute": 24}
